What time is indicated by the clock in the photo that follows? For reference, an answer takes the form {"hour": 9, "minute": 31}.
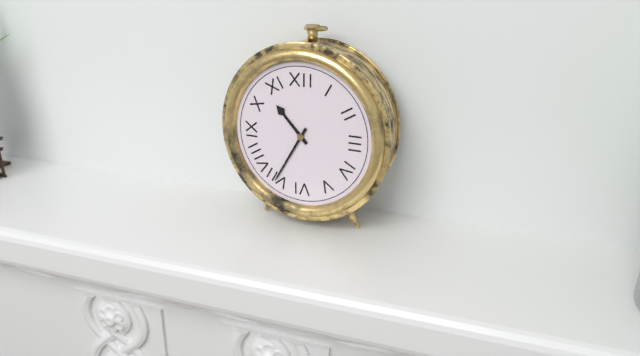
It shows {"hour": 10, "minute": 35}
